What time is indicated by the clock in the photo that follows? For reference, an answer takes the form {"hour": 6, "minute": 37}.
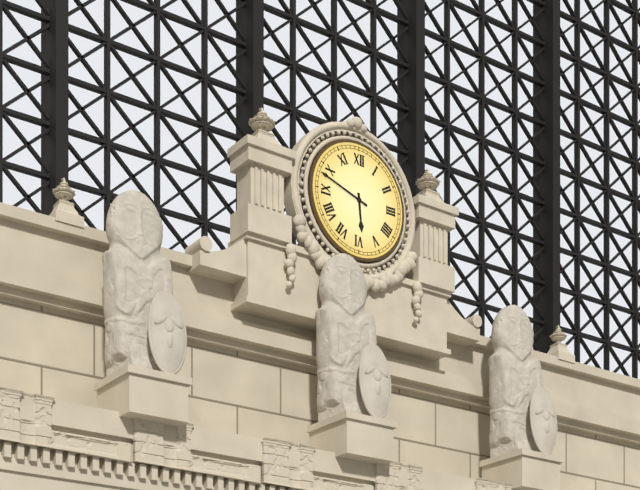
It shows {"hour": 5, "minute": 48}
